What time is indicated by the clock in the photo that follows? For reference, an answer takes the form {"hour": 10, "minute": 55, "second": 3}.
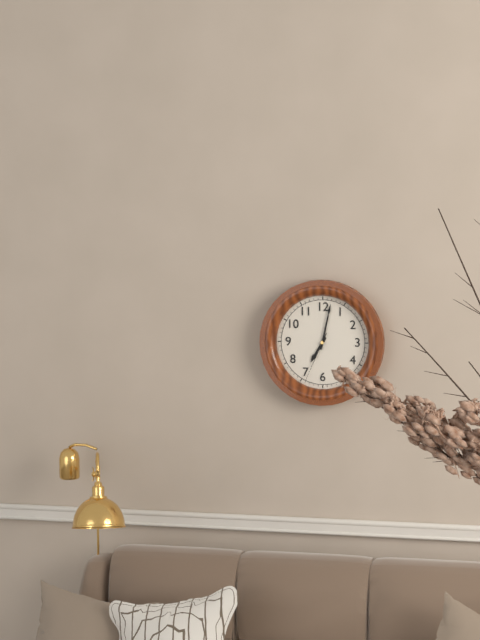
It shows {"hour": 7, "minute": 2, "second": 34}
